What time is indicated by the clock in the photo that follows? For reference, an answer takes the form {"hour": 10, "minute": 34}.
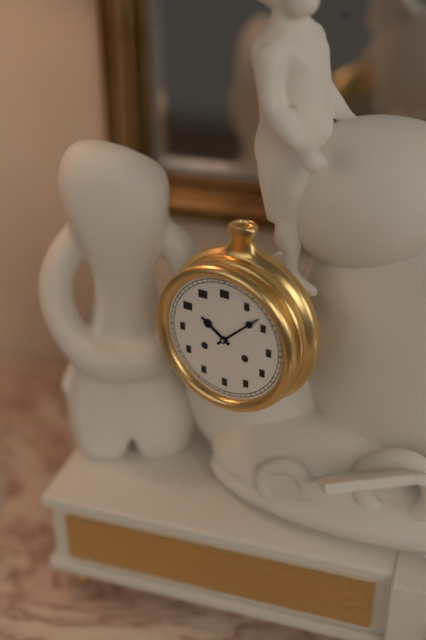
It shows {"hour": 10, "minute": 8}
